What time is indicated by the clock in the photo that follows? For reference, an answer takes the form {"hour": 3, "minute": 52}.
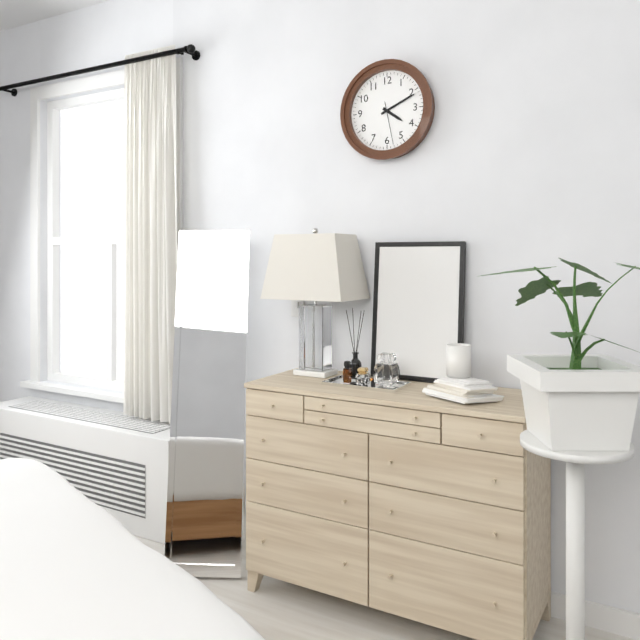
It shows {"hour": 4, "minute": 11}
